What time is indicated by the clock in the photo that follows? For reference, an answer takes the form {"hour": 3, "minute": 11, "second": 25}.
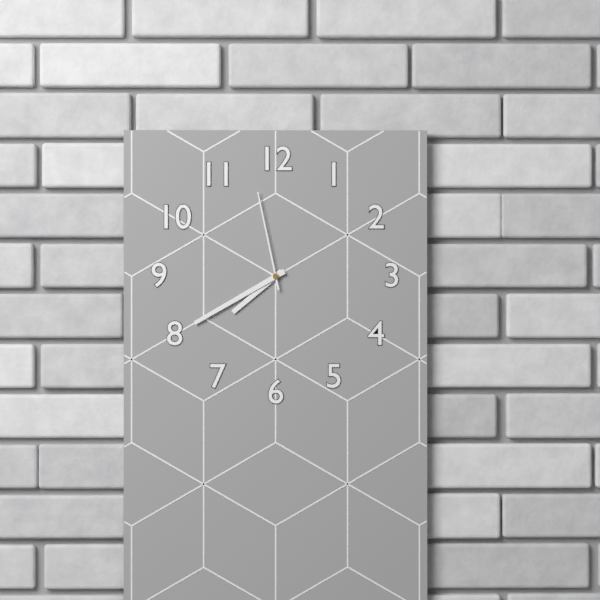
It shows {"hour": 7, "minute": 40, "second": 58}
